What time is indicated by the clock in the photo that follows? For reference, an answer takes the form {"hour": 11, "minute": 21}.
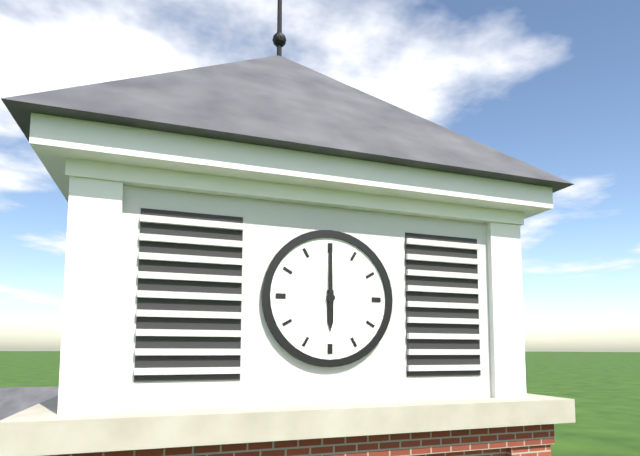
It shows {"hour": 6, "minute": 0}
